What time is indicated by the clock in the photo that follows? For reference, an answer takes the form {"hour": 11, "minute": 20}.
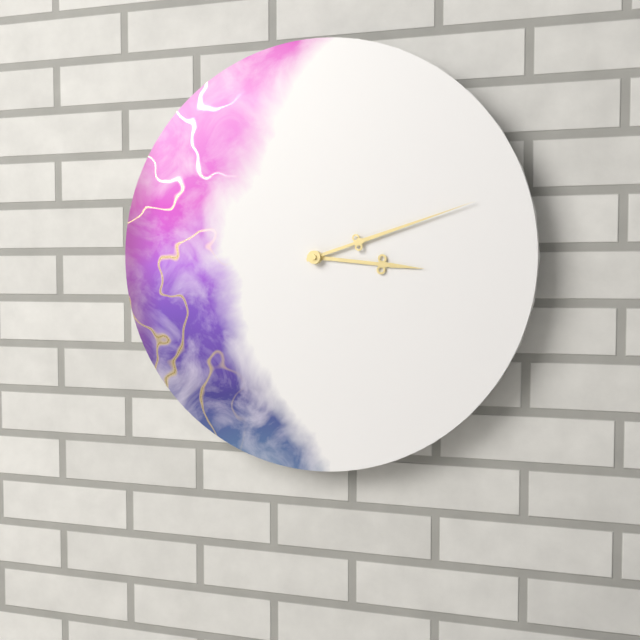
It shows {"hour": 3, "minute": 12}
